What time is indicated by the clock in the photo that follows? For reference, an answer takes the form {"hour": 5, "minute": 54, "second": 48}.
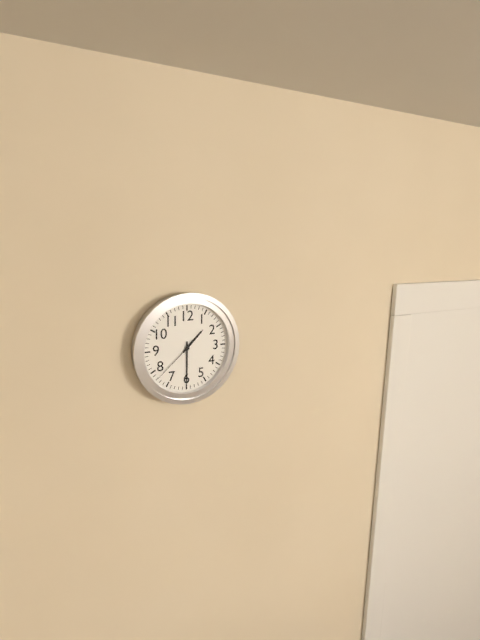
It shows {"hour": 1, "minute": 30, "second": 38}
